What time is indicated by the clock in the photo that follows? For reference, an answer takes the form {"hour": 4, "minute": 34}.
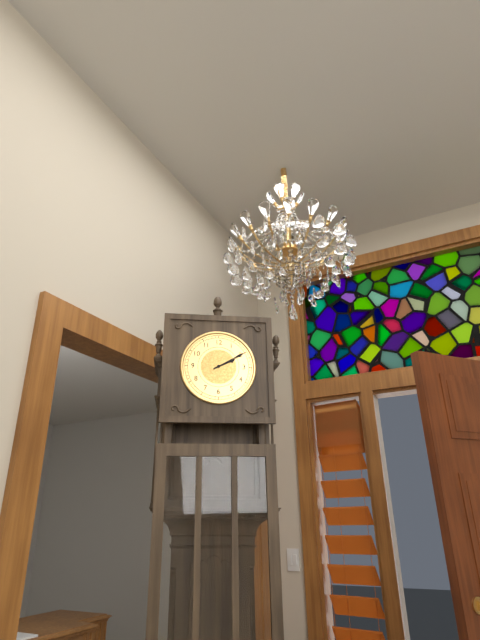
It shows {"hour": 2, "minute": 10}
